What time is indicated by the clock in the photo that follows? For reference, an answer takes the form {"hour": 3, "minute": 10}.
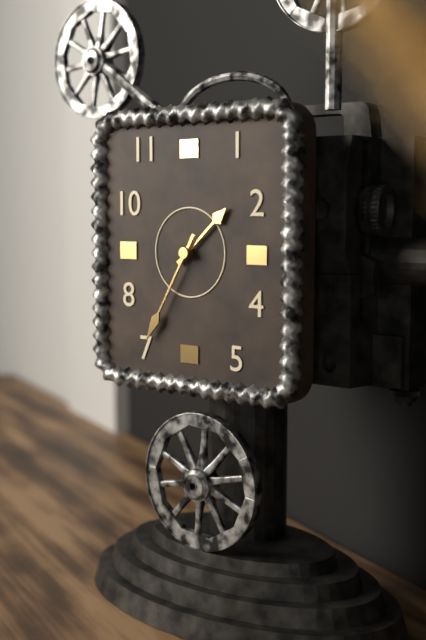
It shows {"hour": 1, "minute": 35}
